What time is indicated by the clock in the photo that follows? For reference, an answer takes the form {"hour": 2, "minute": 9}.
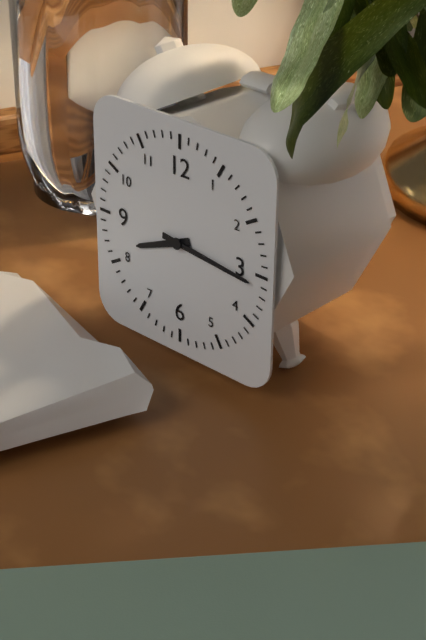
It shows {"hour": 8, "minute": 16}
